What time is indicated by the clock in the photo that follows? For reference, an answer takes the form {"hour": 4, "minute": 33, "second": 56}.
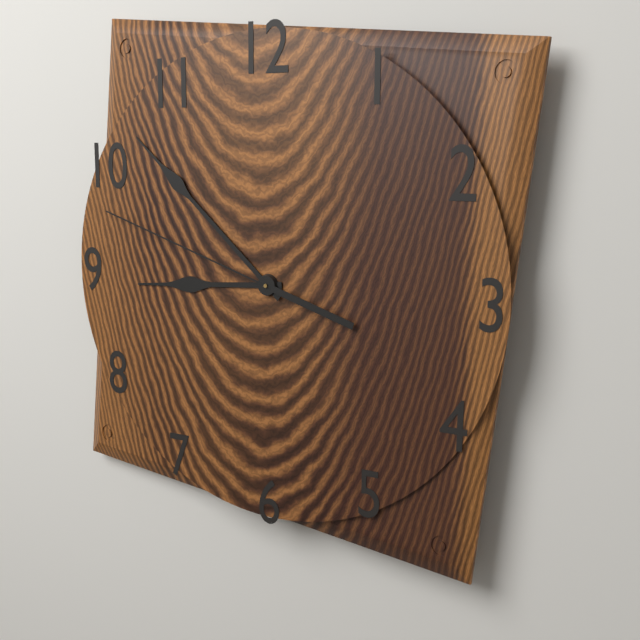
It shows {"hour": 8, "minute": 52, "second": 48}
